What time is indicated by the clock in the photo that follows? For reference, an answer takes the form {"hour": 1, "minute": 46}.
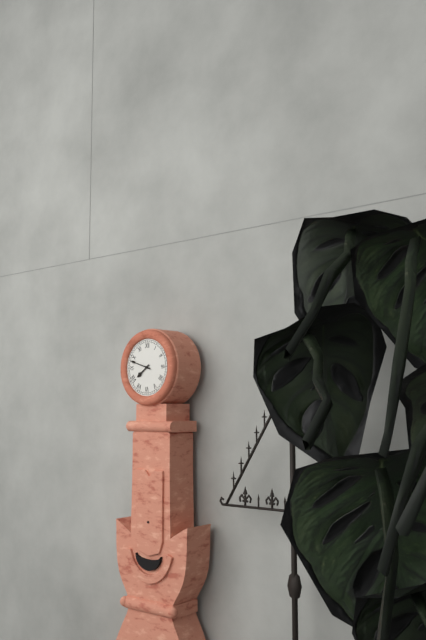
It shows {"hour": 7, "minute": 48}
